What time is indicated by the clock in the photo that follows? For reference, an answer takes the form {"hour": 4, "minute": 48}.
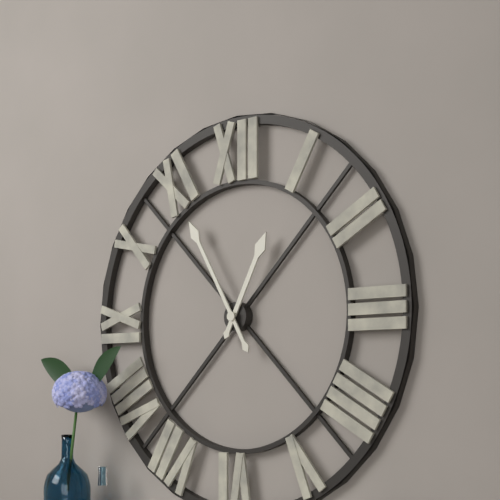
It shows {"hour": 12, "minute": 55}
